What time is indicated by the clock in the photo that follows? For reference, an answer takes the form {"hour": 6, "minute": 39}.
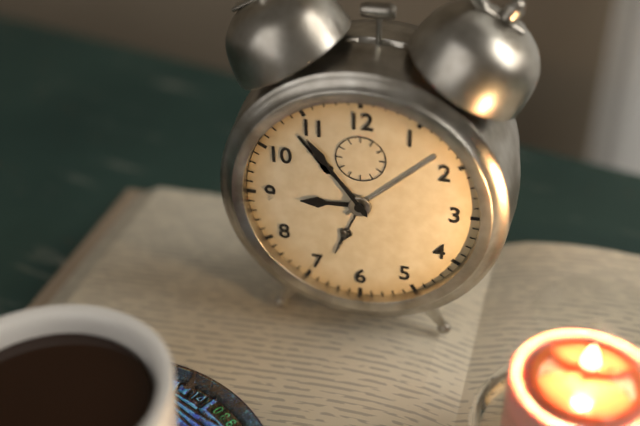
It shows {"hour": 8, "minute": 54}
